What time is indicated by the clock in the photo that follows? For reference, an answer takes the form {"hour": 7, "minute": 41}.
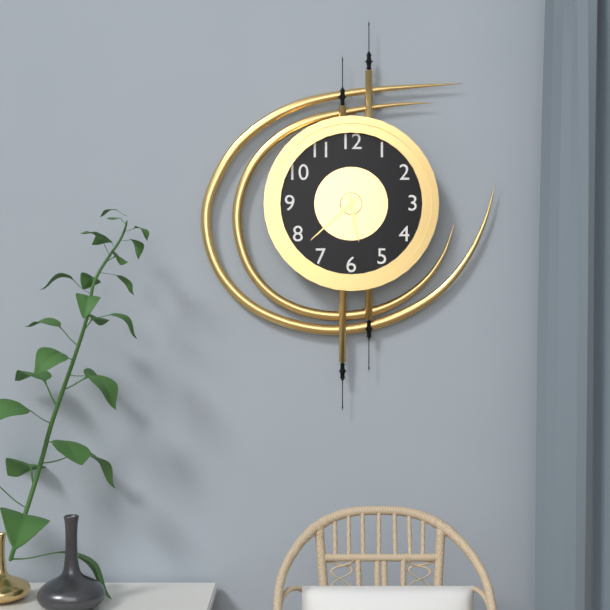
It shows {"hour": 5, "minute": 38}
